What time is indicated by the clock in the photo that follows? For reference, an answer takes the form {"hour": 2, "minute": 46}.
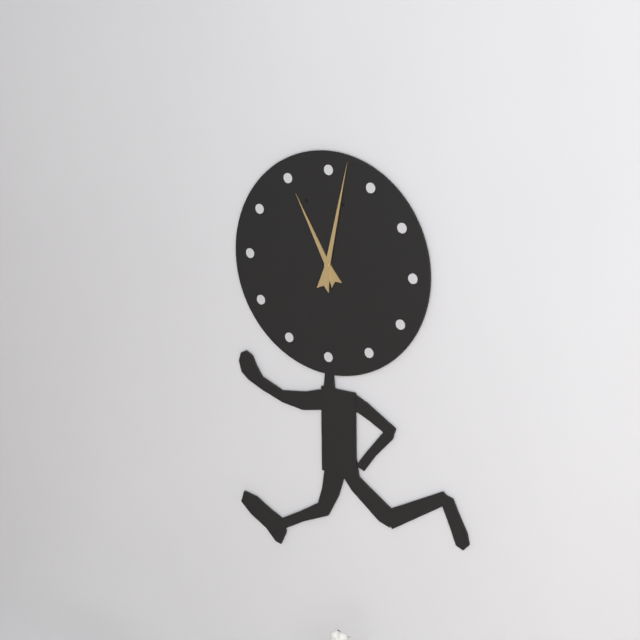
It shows {"hour": 11, "minute": 2}
